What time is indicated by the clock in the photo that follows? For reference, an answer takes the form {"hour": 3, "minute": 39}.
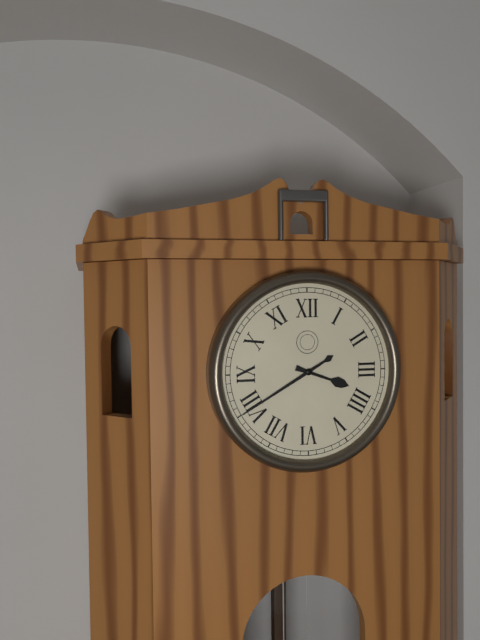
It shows {"hour": 3, "minute": 40}
